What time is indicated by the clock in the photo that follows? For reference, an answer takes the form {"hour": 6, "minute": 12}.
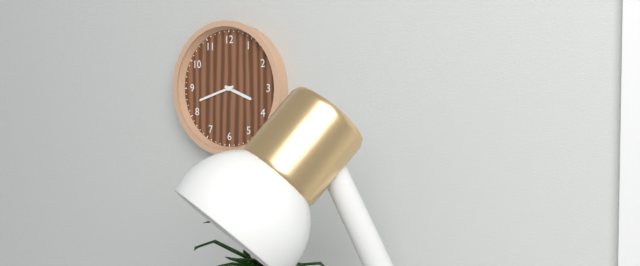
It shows {"hour": 3, "minute": 42}
